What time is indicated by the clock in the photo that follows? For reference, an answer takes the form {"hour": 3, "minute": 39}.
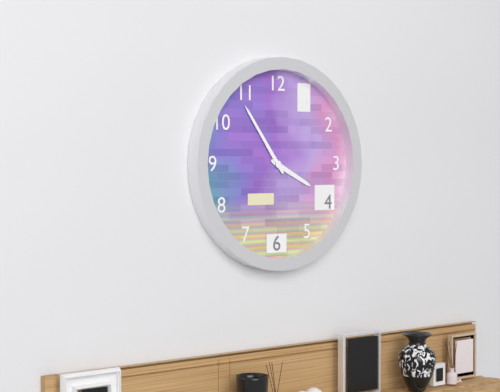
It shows {"hour": 3, "minute": 54}
